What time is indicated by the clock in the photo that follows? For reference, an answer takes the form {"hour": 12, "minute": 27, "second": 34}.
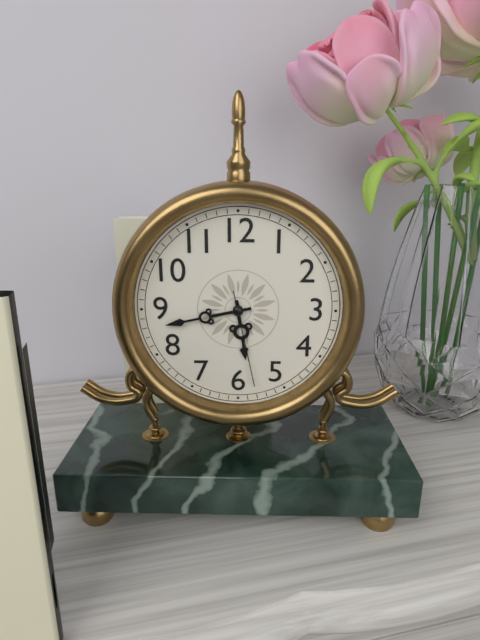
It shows {"hour": 5, "minute": 43, "second": 28}
